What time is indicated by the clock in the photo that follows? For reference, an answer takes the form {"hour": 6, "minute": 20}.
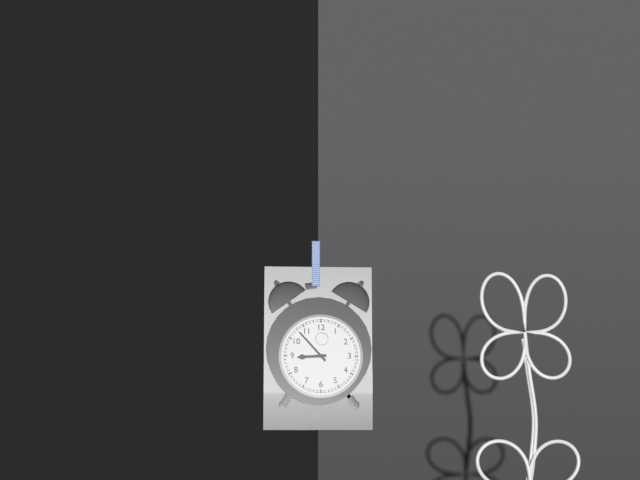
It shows {"hour": 8, "minute": 53}
